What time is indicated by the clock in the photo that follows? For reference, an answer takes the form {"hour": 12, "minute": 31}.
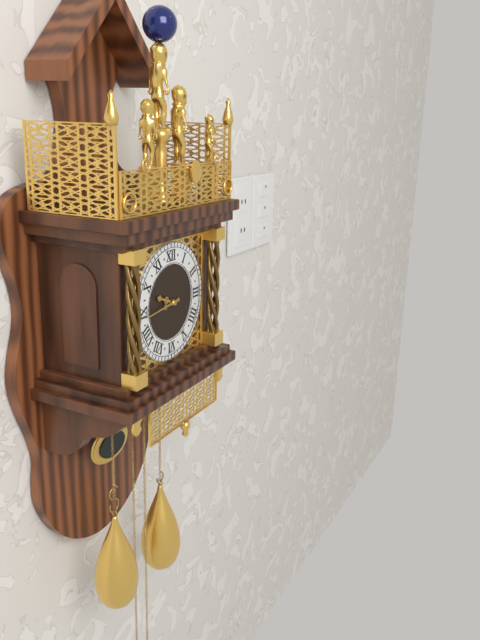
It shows {"hour": 9, "minute": 44}
